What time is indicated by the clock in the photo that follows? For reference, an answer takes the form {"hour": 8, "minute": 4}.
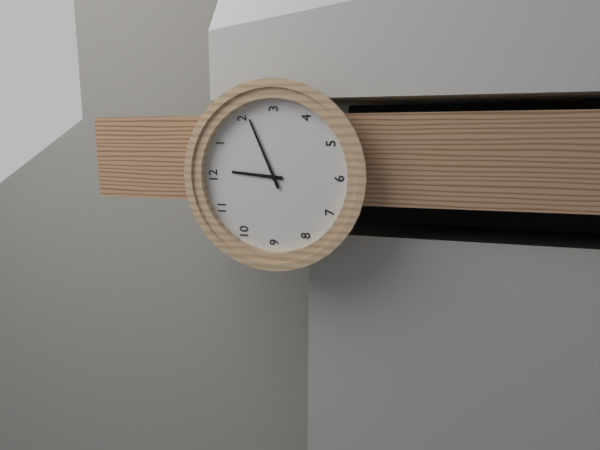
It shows {"hour": 12, "minute": 11}
